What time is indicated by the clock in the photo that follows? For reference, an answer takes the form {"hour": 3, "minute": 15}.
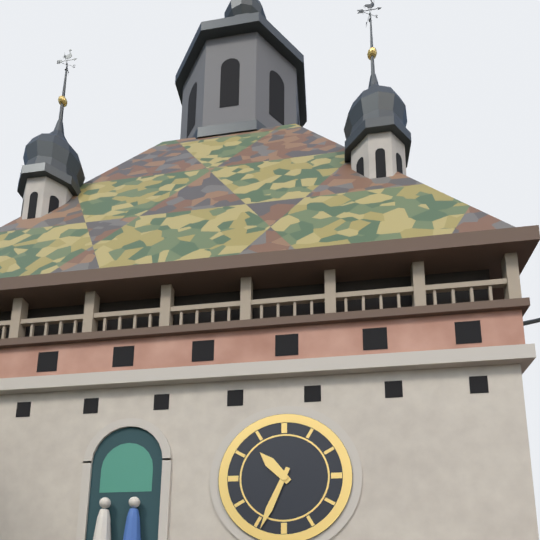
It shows {"hour": 10, "minute": 34}
